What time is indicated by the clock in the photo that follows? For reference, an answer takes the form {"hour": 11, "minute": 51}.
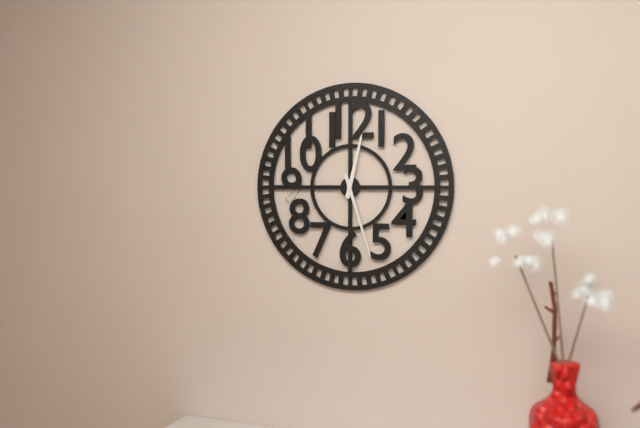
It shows {"hour": 12, "minute": 27}
